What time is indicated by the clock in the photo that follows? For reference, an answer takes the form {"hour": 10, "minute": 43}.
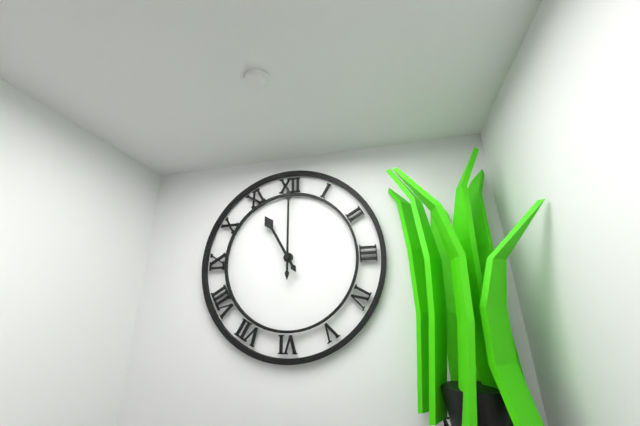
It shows {"hour": 11, "minute": 0}
